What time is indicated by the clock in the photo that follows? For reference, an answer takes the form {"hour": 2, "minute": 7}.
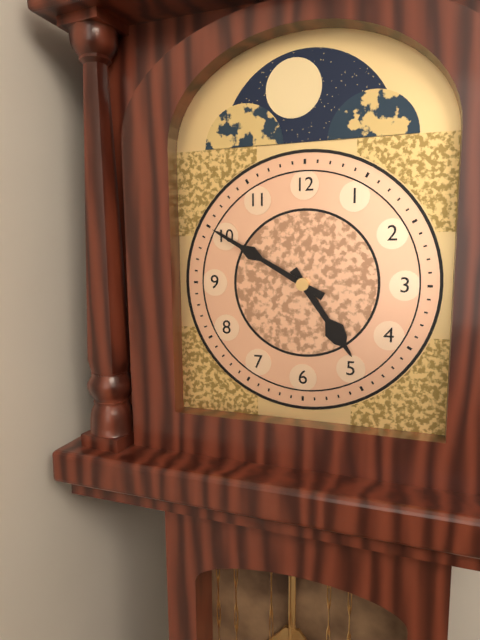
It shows {"hour": 4, "minute": 50}
